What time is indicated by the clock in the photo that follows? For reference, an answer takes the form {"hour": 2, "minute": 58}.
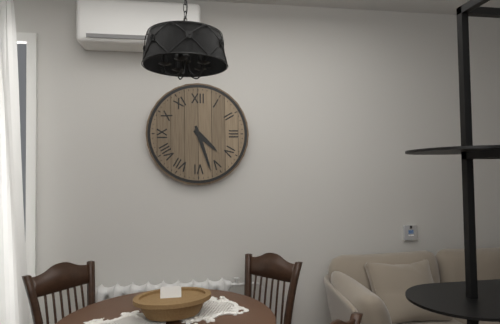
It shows {"hour": 4, "minute": 27}
